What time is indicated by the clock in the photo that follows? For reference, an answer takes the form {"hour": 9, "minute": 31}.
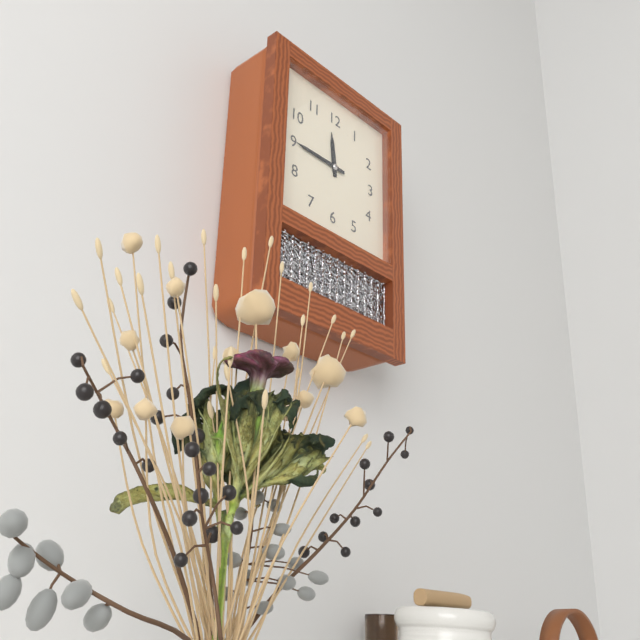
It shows {"hour": 11, "minute": 45}
